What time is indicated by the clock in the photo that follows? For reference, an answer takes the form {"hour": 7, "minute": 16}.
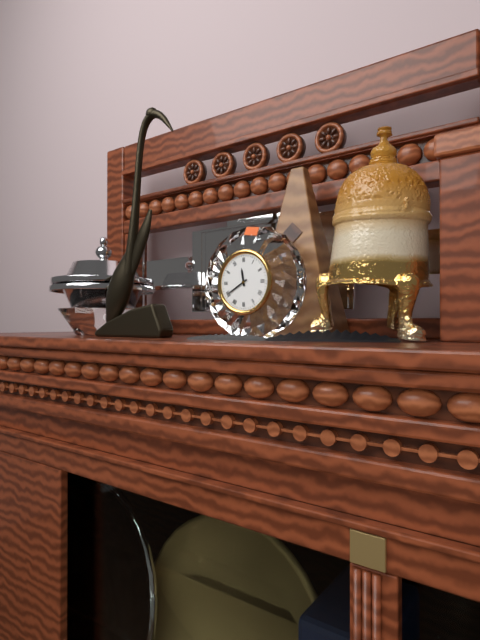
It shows {"hour": 11, "minute": 40}
